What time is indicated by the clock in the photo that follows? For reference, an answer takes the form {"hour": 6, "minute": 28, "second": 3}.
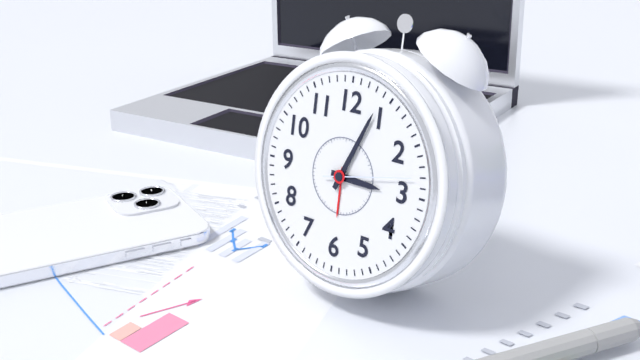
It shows {"hour": 3, "minute": 4, "second": 13}
